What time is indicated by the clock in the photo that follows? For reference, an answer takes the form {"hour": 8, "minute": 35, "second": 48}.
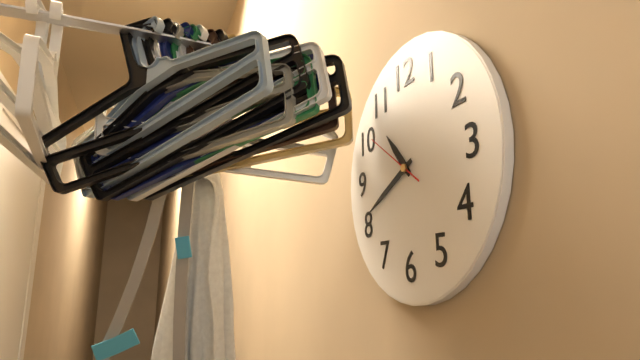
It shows {"hour": 10, "minute": 41, "second": 51}
